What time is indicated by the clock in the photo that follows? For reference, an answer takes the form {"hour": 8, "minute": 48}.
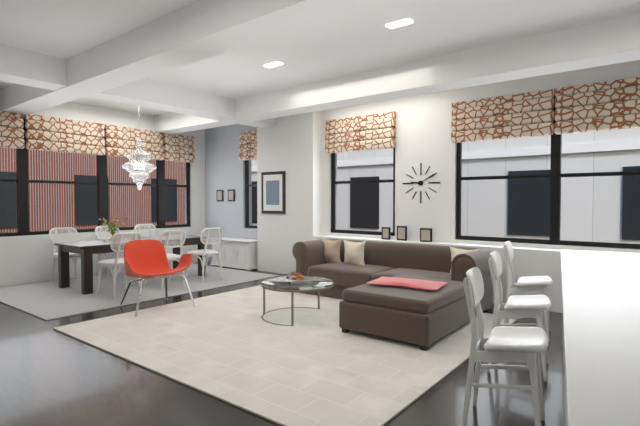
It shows {"hour": 9, "minute": 10}
